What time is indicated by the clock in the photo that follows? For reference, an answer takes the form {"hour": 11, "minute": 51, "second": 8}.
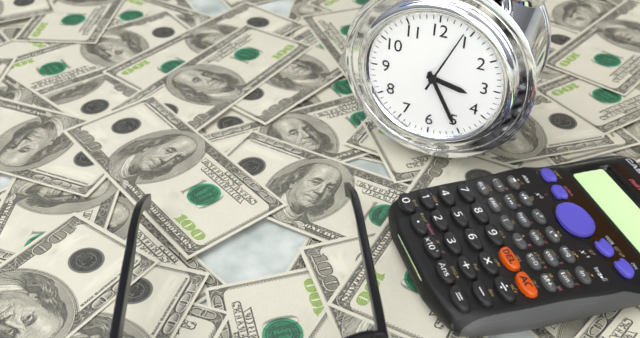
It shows {"hour": 3, "minute": 25, "second": 4}
